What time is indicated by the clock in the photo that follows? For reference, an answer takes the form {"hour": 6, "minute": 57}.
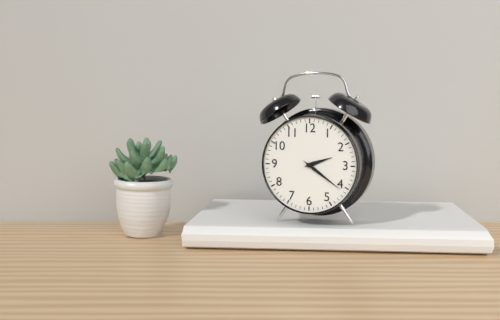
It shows {"hour": 2, "minute": 21}
